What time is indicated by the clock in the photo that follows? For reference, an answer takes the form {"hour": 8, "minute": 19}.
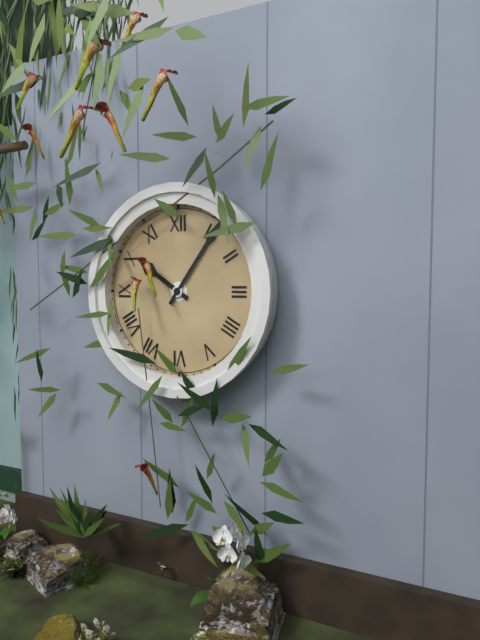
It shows {"hour": 10, "minute": 6}
